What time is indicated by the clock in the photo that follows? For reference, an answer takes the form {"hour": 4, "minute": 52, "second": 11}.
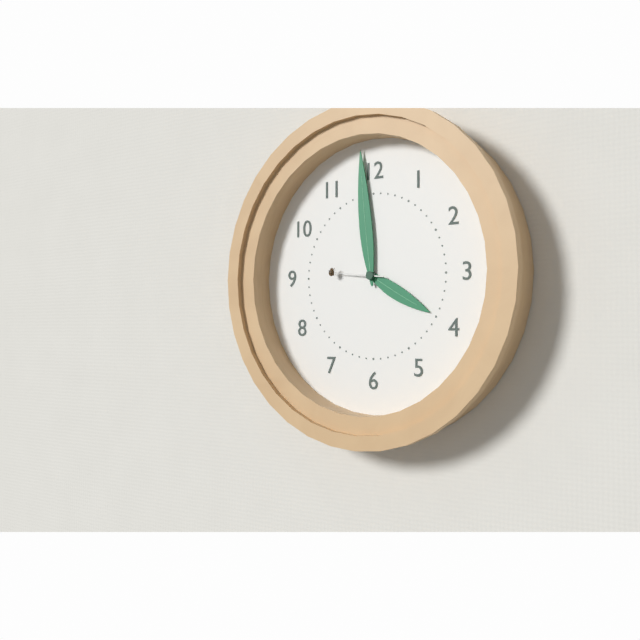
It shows {"hour": 3, "minute": 59, "second": 46}
